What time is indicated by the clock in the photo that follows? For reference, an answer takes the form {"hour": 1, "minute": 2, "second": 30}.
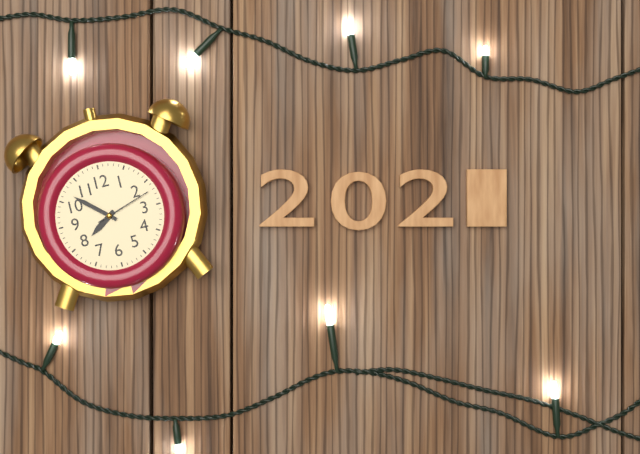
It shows {"hour": 7, "minute": 52, "second": 12}
